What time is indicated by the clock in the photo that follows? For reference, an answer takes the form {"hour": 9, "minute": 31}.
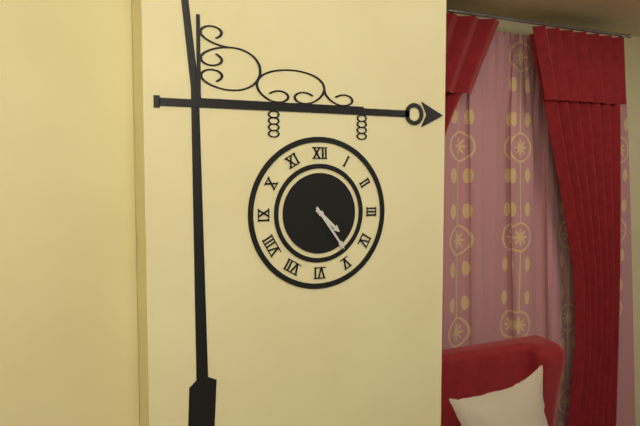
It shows {"hour": 4, "minute": 24}
